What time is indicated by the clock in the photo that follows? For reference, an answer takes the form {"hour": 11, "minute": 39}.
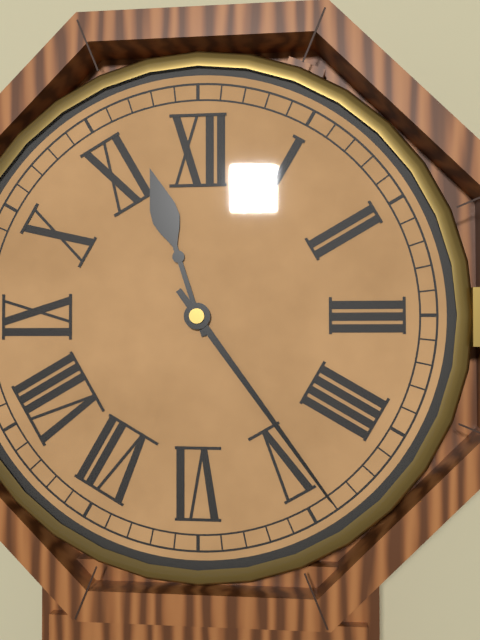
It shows {"hour": 11, "minute": 24}
